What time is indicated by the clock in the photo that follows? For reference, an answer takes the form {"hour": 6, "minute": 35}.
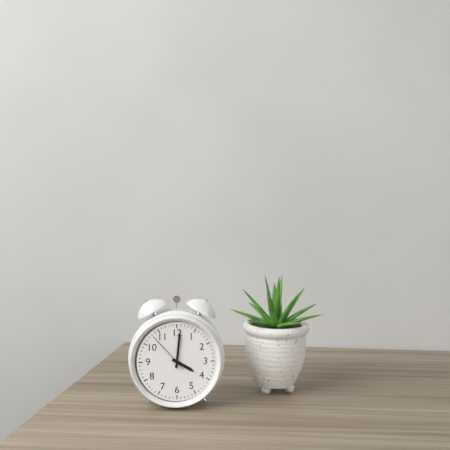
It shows {"hour": 4, "minute": 1}
